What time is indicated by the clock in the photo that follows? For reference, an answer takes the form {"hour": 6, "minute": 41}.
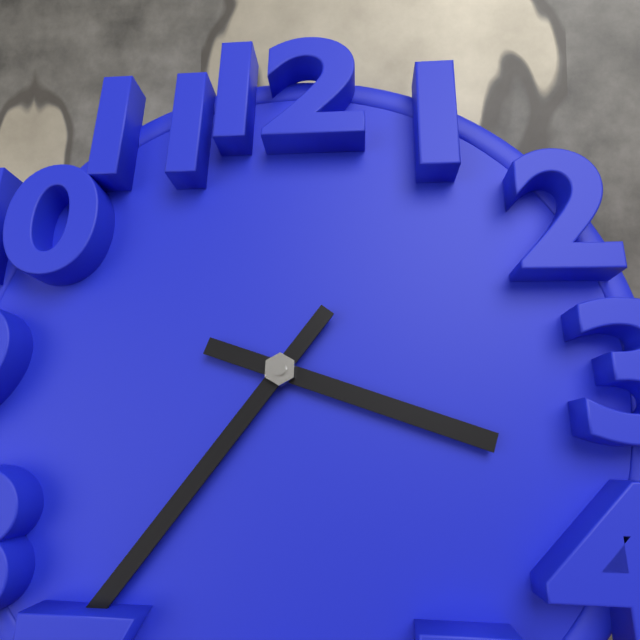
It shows {"hour": 3, "minute": 36}
